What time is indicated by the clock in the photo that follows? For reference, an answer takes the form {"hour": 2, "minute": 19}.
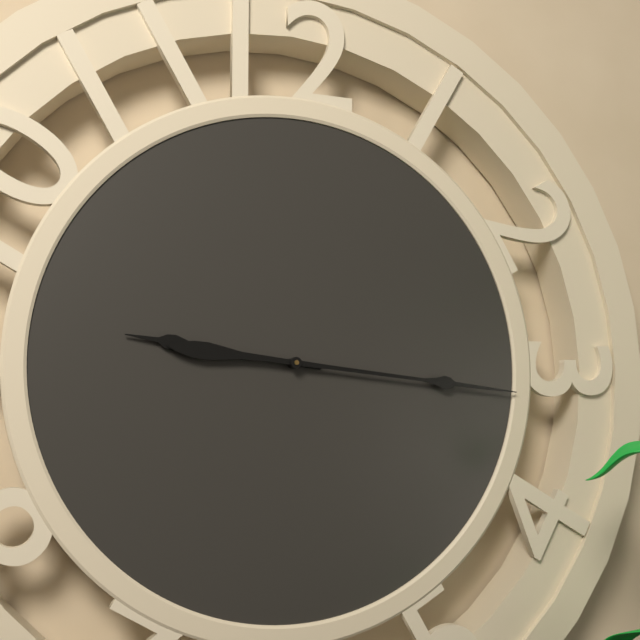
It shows {"hour": 9, "minute": 16}
